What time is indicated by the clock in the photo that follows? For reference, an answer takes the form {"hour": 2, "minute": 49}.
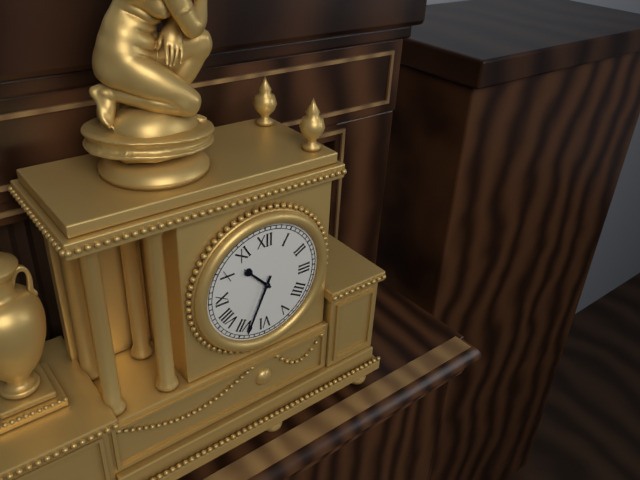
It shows {"hour": 10, "minute": 34}
